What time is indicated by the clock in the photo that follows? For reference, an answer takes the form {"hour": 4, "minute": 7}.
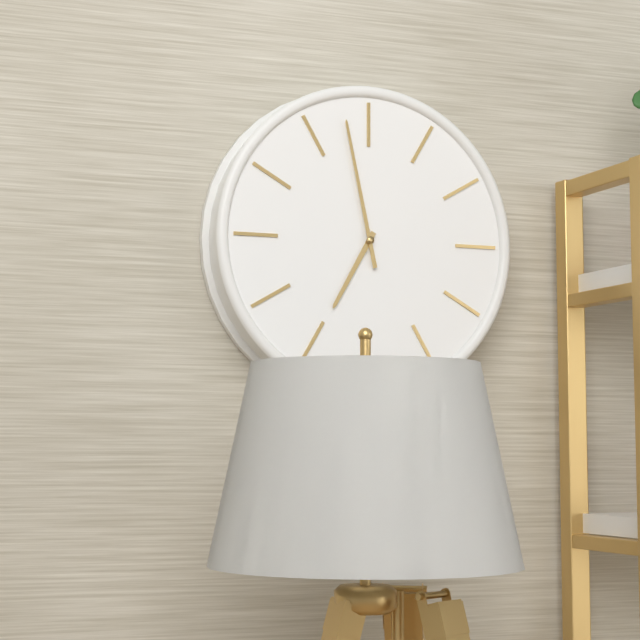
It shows {"hour": 6, "minute": 58}
